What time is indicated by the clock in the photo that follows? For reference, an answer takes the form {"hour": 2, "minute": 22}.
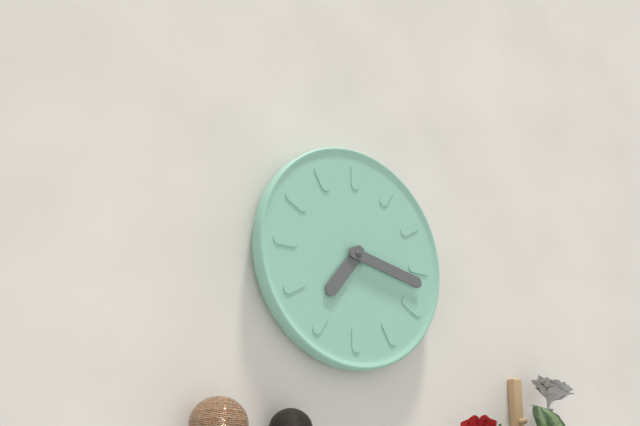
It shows {"hour": 7, "minute": 17}
